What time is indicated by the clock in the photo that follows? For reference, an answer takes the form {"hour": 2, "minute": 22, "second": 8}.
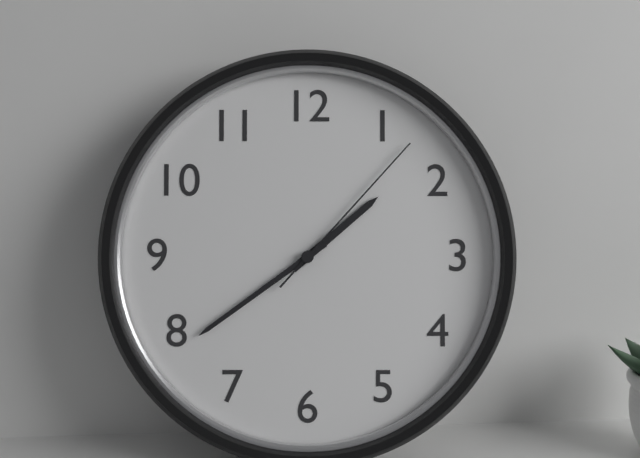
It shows {"hour": 1, "minute": 39, "second": 7}
